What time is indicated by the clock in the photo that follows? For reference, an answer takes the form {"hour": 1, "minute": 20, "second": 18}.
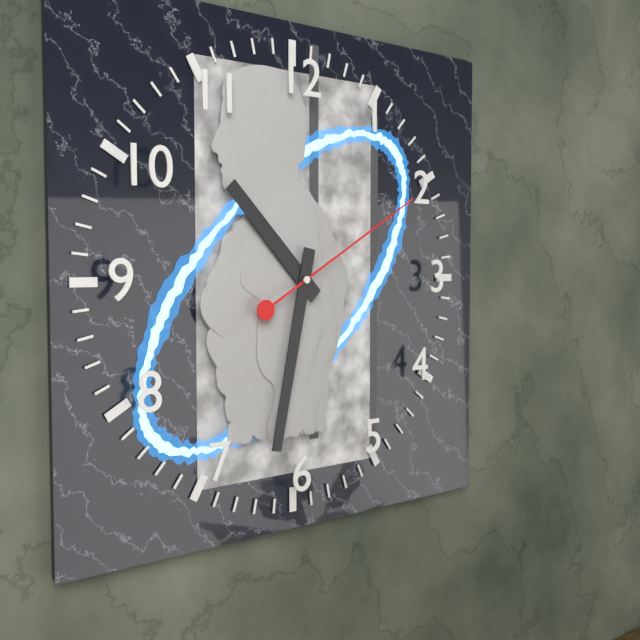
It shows {"hour": 10, "minute": 32, "second": 10}
